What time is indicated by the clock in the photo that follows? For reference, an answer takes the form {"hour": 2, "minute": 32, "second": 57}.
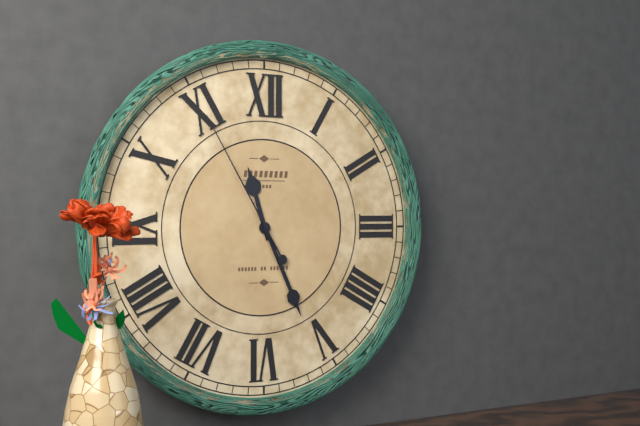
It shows {"hour": 11, "minute": 26, "second": 55}
